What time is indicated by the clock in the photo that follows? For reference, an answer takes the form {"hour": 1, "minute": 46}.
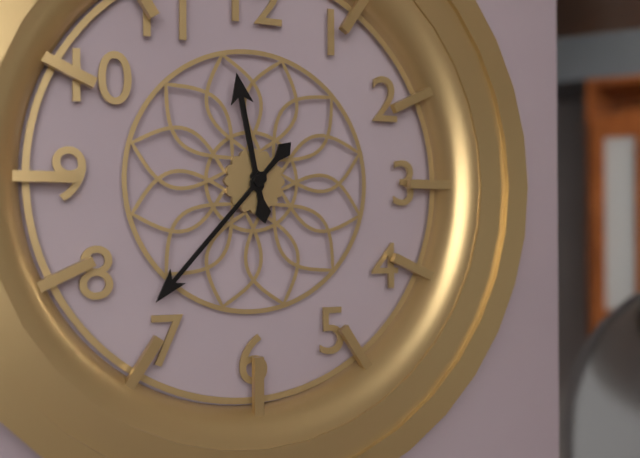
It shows {"hour": 11, "minute": 37}
